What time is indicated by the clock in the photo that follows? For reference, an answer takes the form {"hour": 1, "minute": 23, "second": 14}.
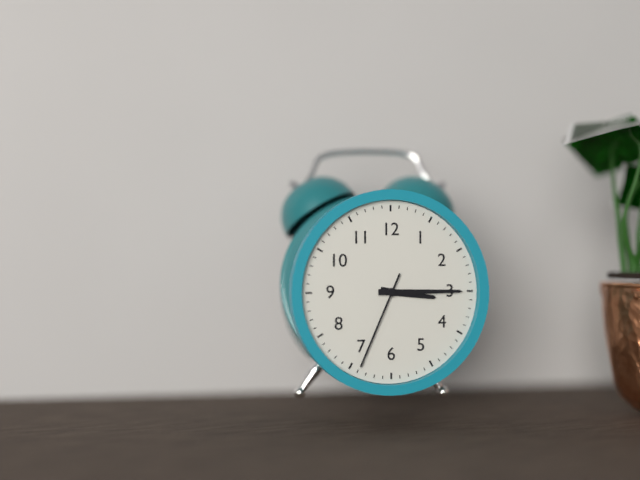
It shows {"hour": 3, "minute": 15, "second": 34}
